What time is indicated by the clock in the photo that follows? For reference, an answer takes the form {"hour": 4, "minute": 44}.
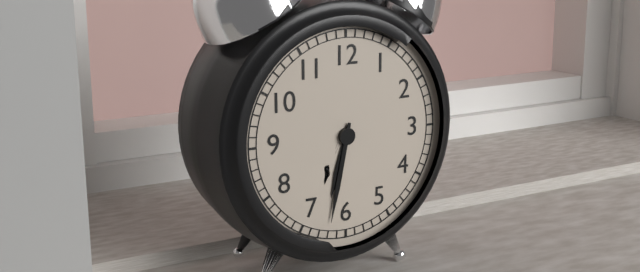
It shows {"hour": 6, "minute": 32}
